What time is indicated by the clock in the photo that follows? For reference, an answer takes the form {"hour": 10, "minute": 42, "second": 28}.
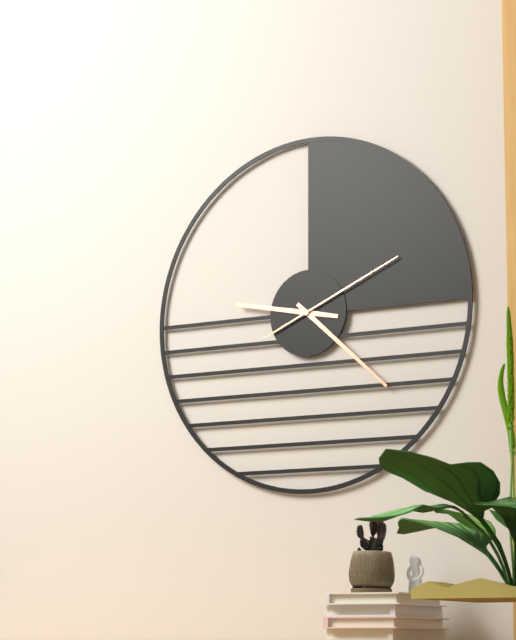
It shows {"hour": 9, "minute": 22, "second": 11}
